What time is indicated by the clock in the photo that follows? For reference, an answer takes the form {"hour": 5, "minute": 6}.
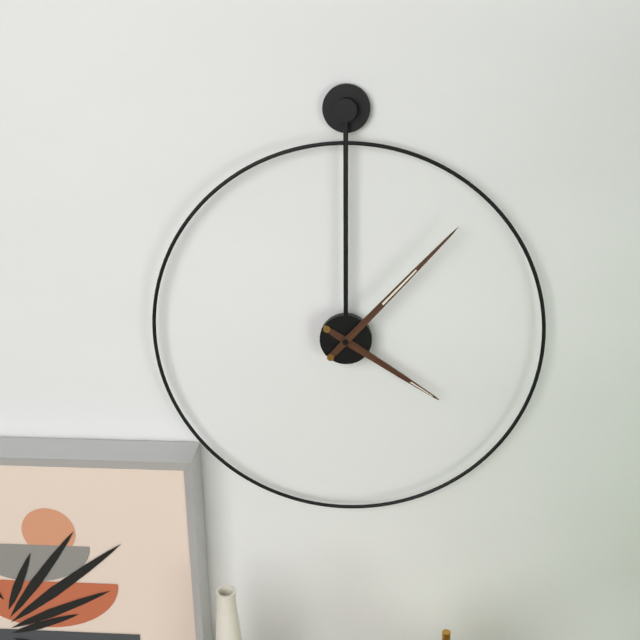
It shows {"hour": 4, "minute": 7}
